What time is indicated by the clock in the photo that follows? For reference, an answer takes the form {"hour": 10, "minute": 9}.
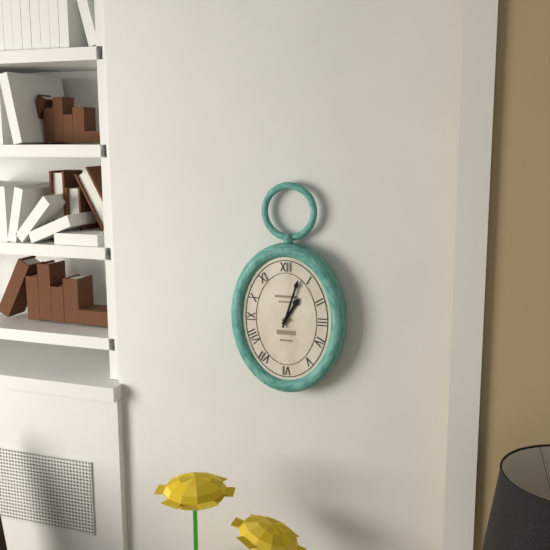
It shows {"hour": 1, "minute": 3}
